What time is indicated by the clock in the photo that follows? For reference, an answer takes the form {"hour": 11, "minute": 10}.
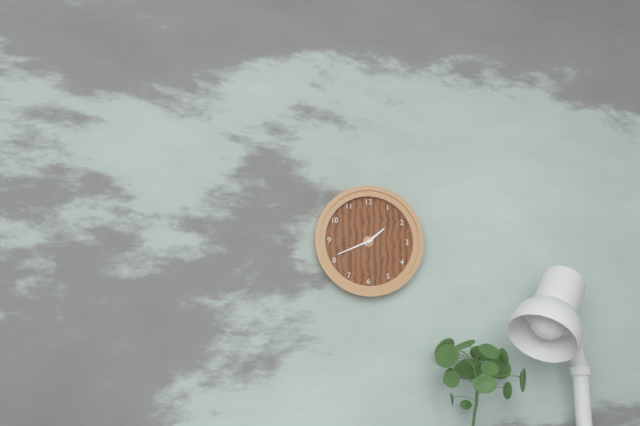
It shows {"hour": 1, "minute": 41}
